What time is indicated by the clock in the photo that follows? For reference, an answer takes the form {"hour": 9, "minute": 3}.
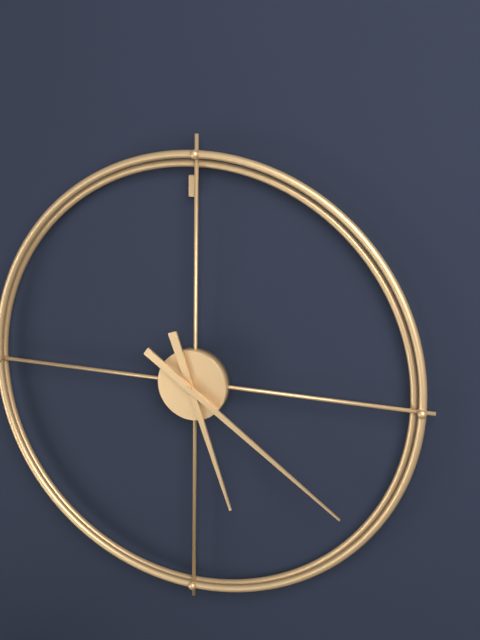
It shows {"hour": 5, "minute": 21}
